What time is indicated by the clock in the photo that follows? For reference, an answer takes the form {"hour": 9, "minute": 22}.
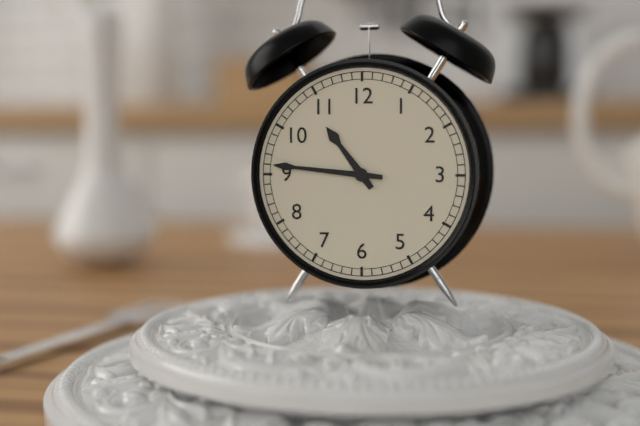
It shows {"hour": 10, "minute": 46}
